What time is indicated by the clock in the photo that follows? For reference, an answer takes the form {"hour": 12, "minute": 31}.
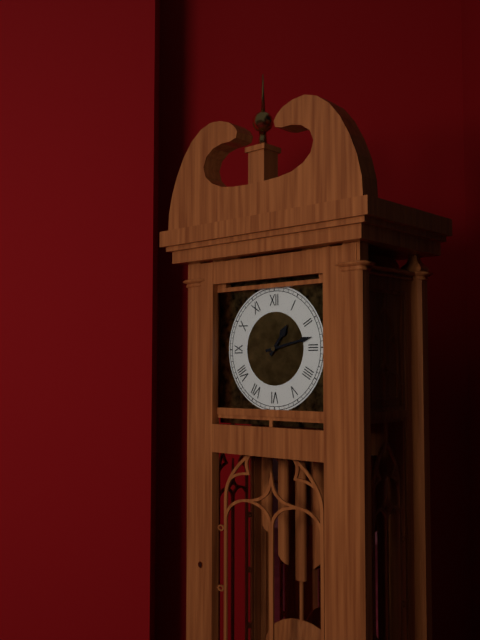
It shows {"hour": 1, "minute": 13}
